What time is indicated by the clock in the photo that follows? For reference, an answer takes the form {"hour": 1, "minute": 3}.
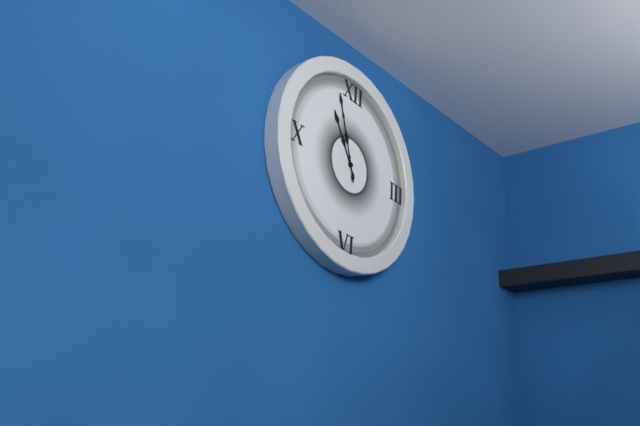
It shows {"hour": 10, "minute": 57}
